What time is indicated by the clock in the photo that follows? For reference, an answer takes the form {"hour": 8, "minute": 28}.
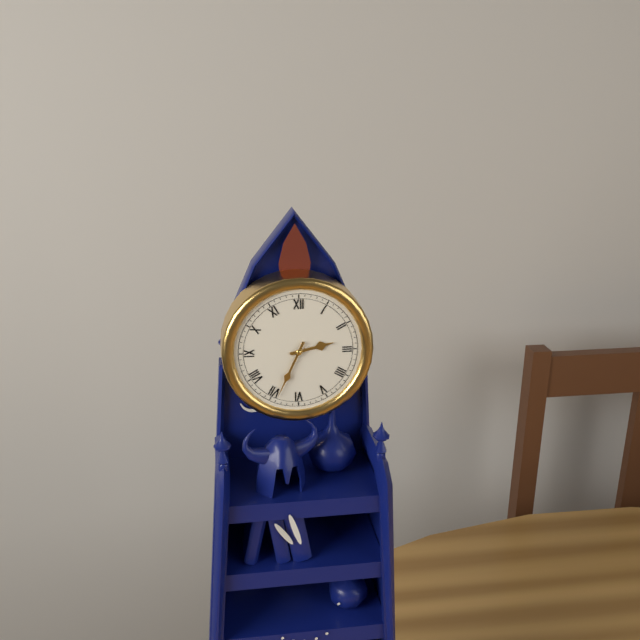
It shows {"hour": 2, "minute": 34}
